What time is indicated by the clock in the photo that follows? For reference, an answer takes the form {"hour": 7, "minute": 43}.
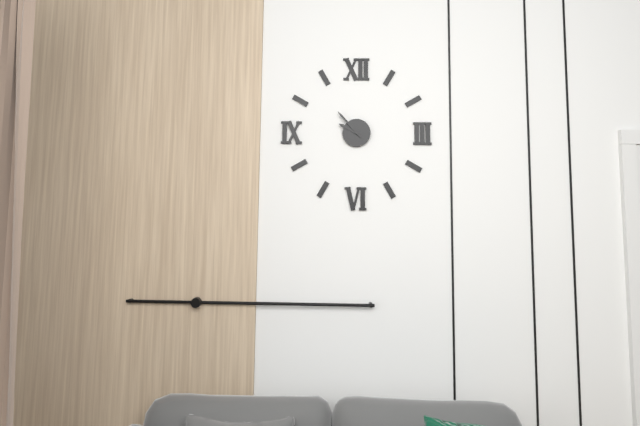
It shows {"hour": 9, "minute": 53}
